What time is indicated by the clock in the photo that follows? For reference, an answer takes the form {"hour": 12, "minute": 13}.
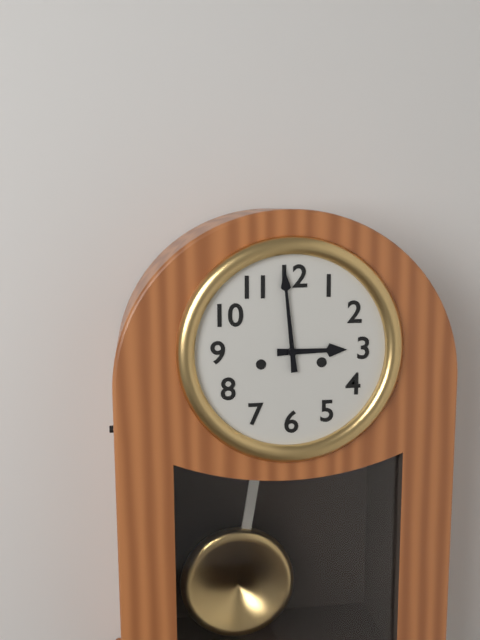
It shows {"hour": 2, "minute": 59}
